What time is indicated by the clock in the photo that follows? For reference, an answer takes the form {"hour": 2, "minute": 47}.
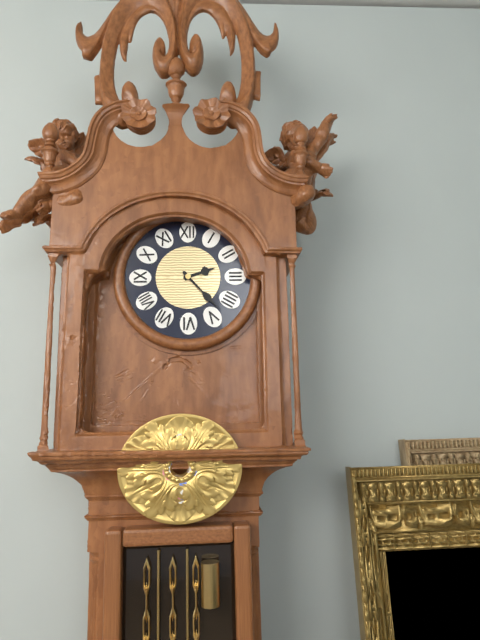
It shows {"hour": 2, "minute": 23}
